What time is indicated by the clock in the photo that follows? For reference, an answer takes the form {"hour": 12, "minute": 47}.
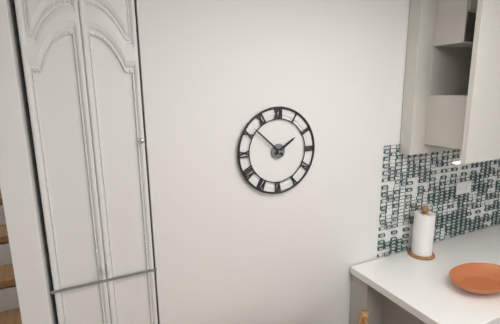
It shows {"hour": 1, "minute": 52}
